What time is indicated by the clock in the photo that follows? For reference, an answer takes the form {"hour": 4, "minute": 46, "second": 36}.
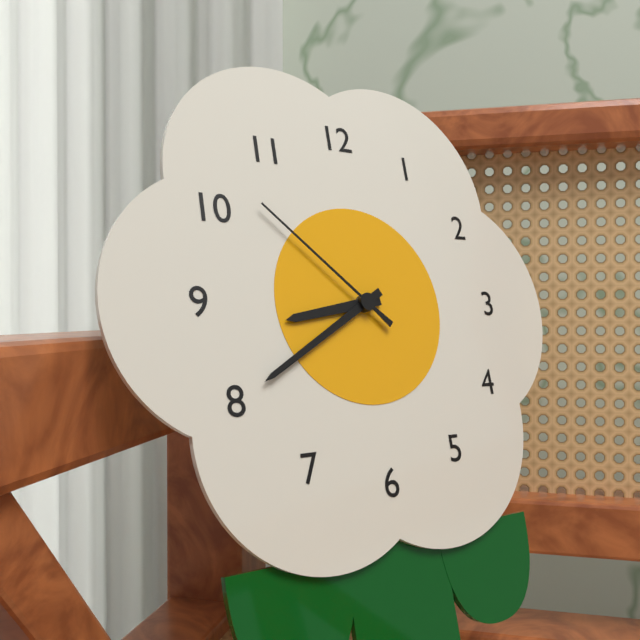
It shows {"hour": 8, "minute": 40, "second": 52}
